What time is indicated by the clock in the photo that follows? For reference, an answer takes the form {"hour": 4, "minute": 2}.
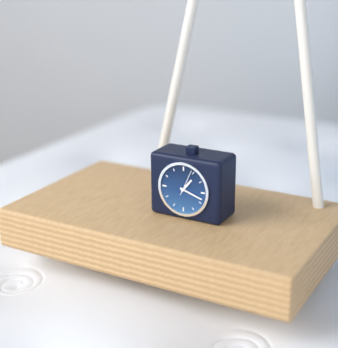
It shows {"hour": 1, "minute": 18}
